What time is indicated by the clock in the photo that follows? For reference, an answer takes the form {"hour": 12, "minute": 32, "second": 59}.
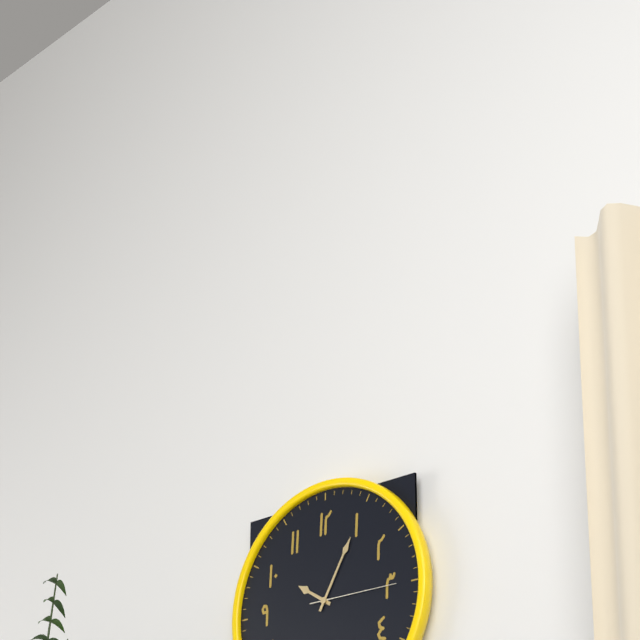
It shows {"hour": 10, "minute": 5, "second": 15}
